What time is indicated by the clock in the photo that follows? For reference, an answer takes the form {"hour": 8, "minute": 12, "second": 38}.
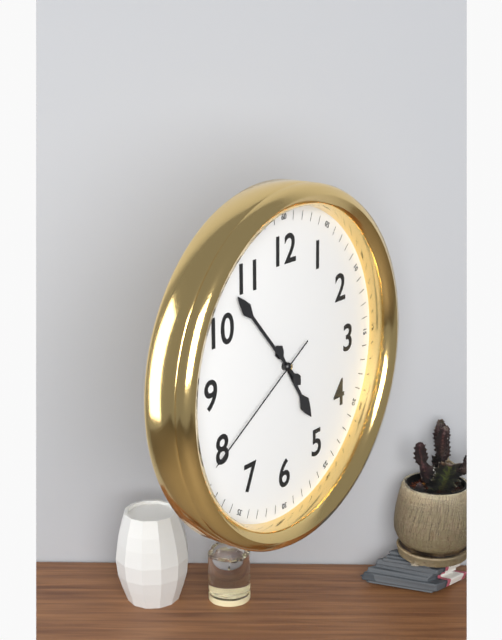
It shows {"hour": 4, "minute": 53, "second": 40}
